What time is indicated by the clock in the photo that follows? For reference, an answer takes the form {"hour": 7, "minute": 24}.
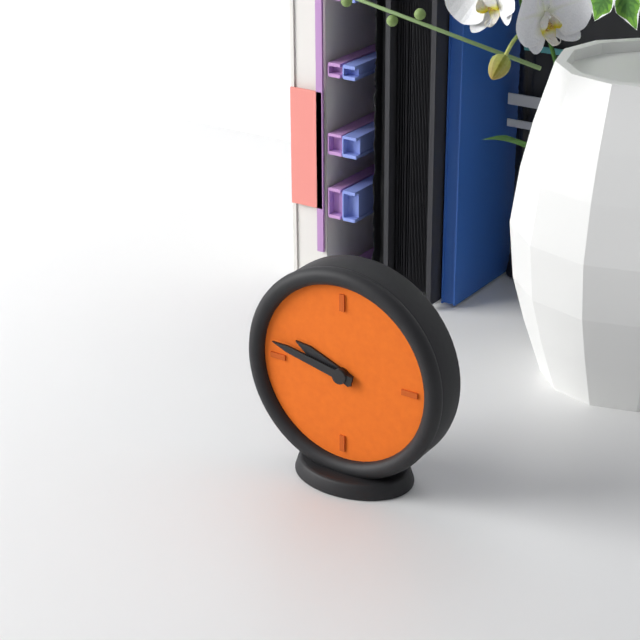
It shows {"hour": 9, "minute": 47}
